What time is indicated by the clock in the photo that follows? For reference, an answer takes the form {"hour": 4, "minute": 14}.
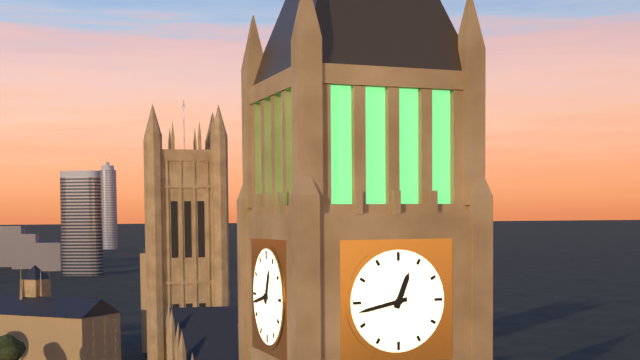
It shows {"hour": 12, "minute": 43}
